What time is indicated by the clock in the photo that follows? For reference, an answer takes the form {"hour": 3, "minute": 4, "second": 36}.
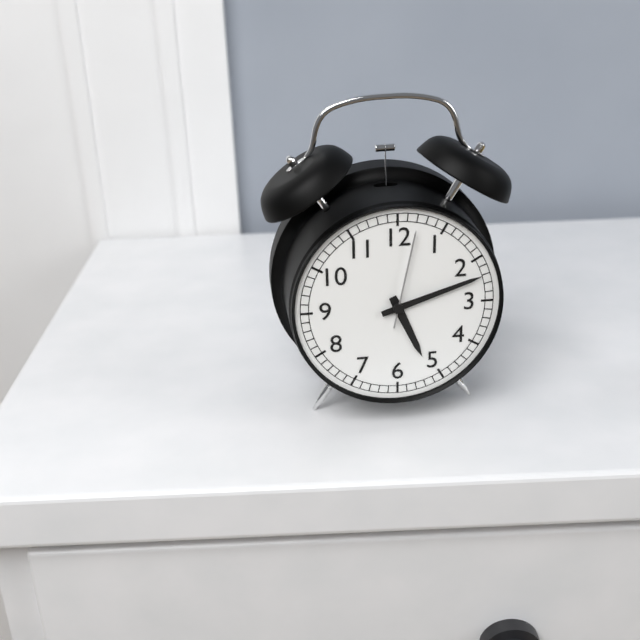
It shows {"hour": 5, "minute": 12, "second": 2}
